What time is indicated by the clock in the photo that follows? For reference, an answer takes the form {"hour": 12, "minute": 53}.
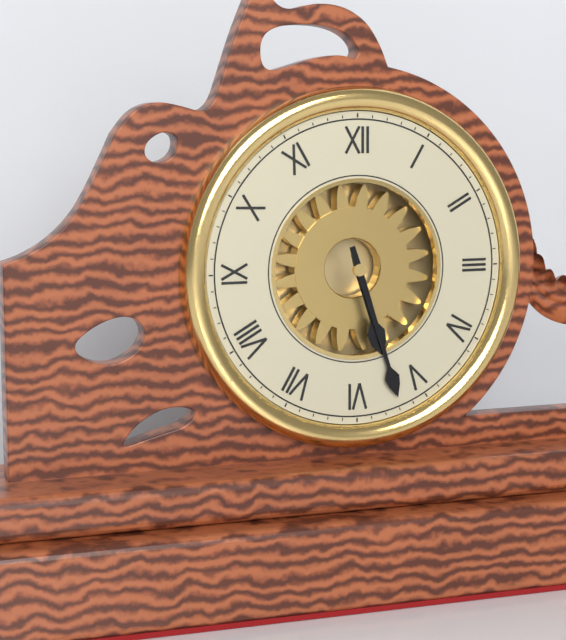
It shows {"hour": 5, "minute": 27}
